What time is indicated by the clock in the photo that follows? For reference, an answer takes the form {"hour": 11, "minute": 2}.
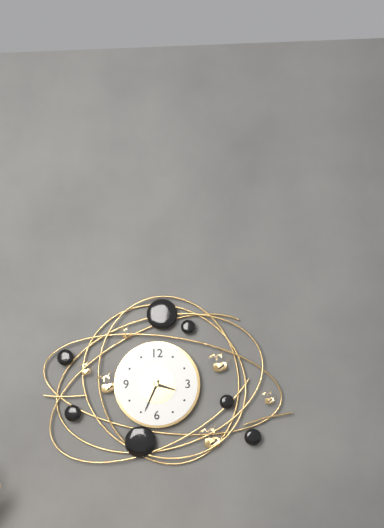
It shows {"hour": 3, "minute": 34}
